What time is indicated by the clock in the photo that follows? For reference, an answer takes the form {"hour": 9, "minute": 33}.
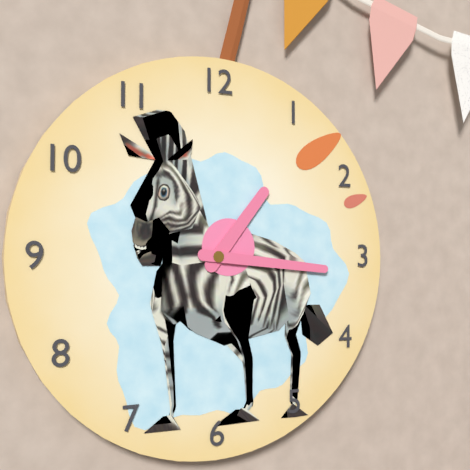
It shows {"hour": 1, "minute": 16}
